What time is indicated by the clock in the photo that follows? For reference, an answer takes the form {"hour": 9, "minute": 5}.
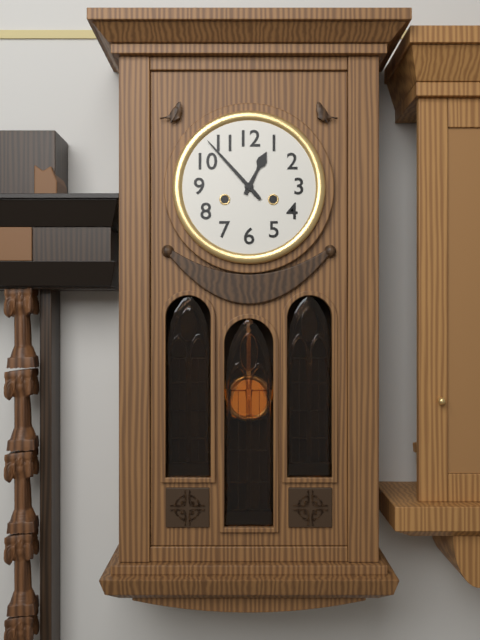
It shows {"hour": 12, "minute": 53}
